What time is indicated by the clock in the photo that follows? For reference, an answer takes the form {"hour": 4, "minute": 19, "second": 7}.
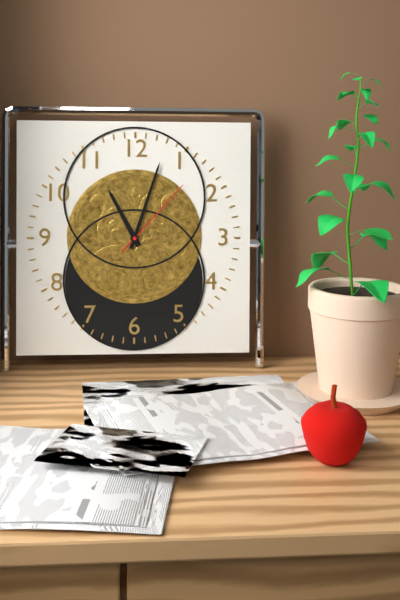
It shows {"hour": 11, "minute": 3, "second": 7}
